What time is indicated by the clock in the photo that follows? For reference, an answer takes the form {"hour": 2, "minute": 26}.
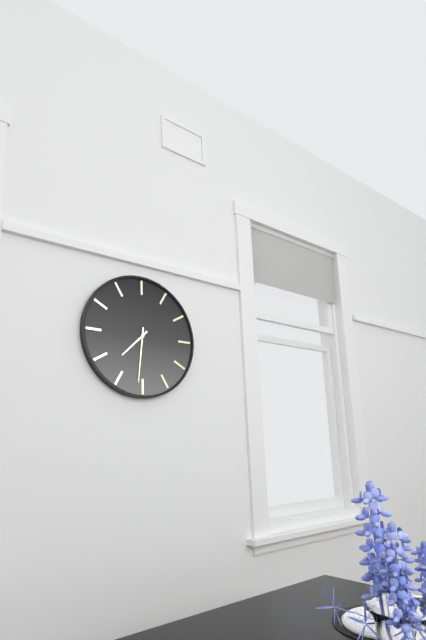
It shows {"hour": 7, "minute": 31}
